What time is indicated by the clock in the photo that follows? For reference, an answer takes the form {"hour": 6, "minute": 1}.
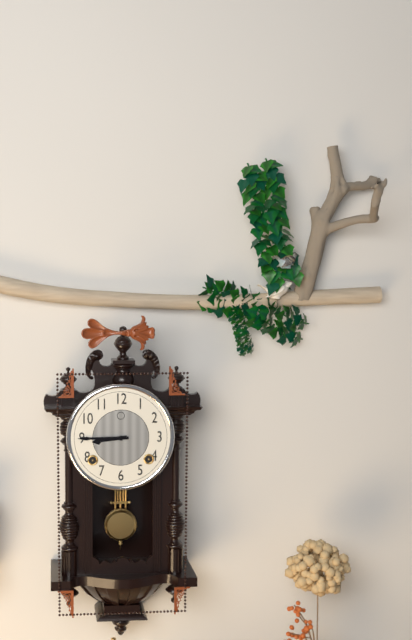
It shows {"hour": 8, "minute": 45}
